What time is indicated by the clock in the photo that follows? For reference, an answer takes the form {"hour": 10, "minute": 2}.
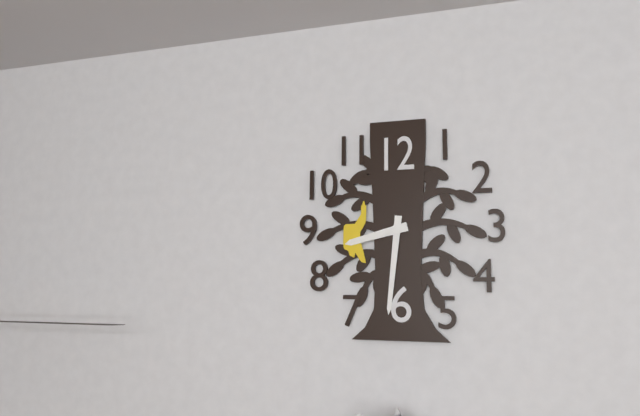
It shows {"hour": 8, "minute": 31}
